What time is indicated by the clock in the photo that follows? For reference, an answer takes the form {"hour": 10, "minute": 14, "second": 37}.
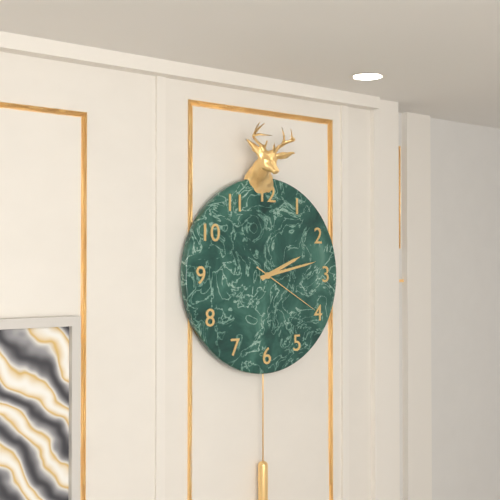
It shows {"hour": 2, "minute": 13, "second": 20}
